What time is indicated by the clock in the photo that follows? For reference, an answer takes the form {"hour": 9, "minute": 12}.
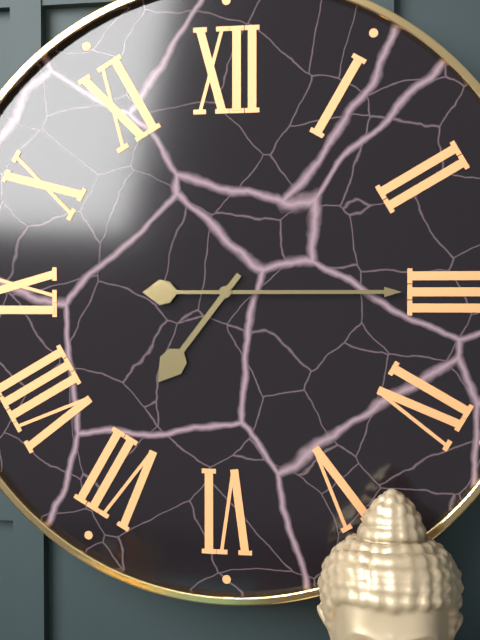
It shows {"hour": 7, "minute": 15}
